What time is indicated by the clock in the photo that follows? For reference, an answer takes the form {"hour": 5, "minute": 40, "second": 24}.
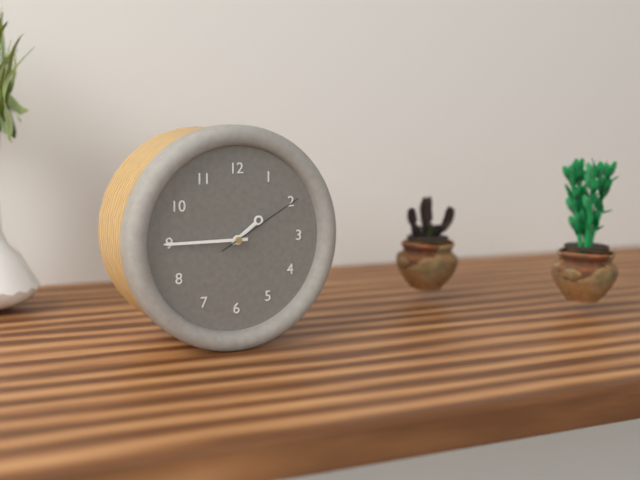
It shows {"hour": 1, "minute": 45, "second": 10}
